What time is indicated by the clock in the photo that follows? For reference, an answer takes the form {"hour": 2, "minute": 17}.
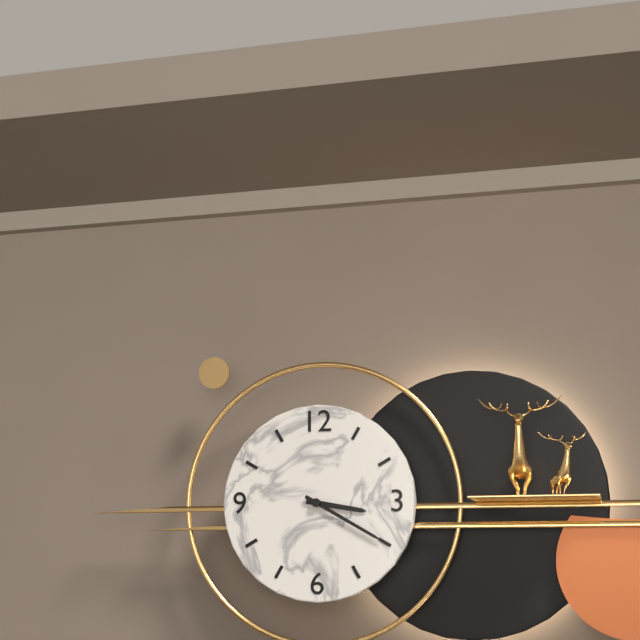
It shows {"hour": 3, "minute": 20}
